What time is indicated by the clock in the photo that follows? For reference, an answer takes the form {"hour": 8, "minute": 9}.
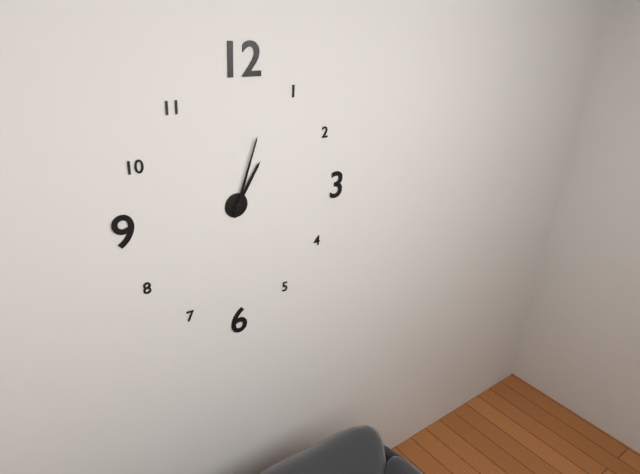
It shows {"hour": 1, "minute": 3}
